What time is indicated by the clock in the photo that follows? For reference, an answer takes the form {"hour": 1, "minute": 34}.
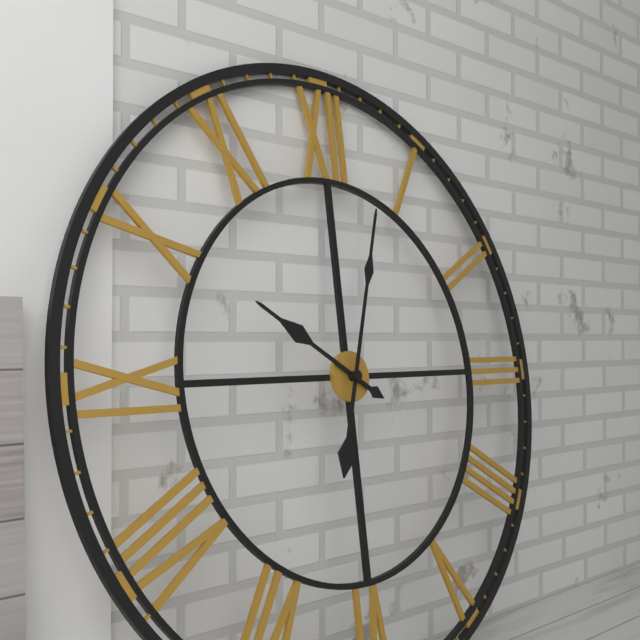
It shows {"hour": 10, "minute": 3}
